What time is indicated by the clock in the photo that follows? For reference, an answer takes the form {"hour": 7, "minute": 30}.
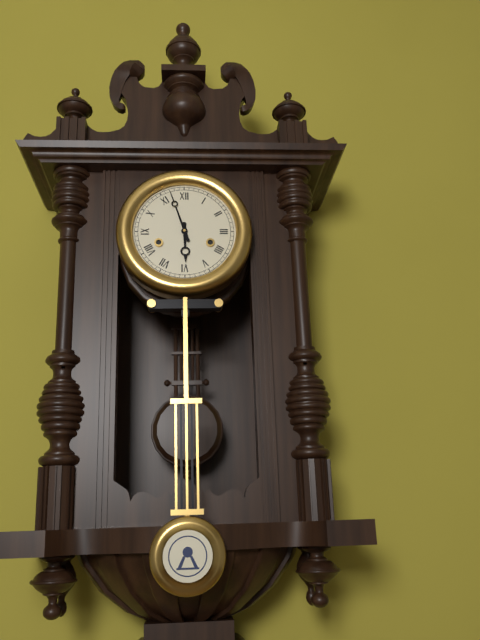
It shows {"hour": 5, "minute": 57}
